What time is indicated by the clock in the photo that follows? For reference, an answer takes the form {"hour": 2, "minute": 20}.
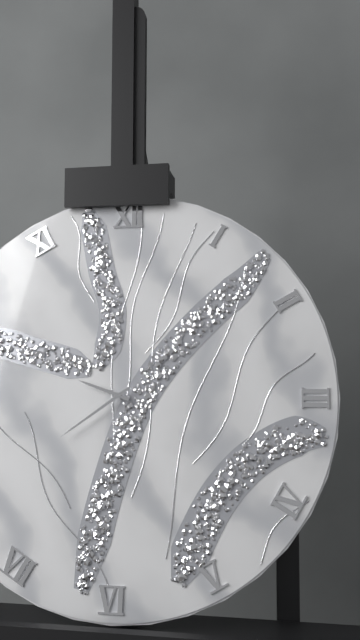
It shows {"hour": 9, "minute": 39}
